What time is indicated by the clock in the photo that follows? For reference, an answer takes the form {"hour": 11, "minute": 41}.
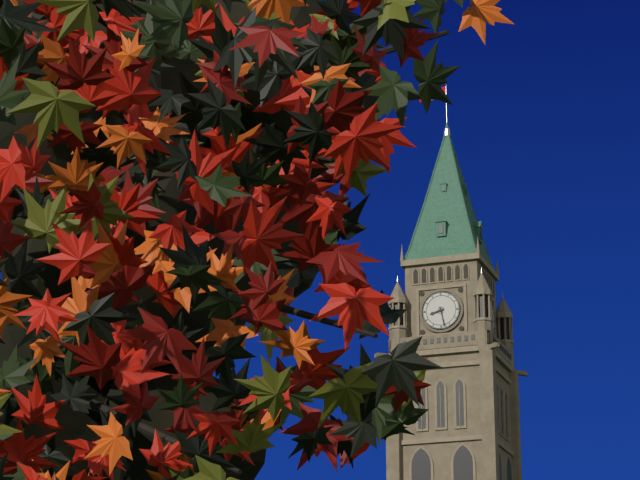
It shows {"hour": 8, "minute": 28}
